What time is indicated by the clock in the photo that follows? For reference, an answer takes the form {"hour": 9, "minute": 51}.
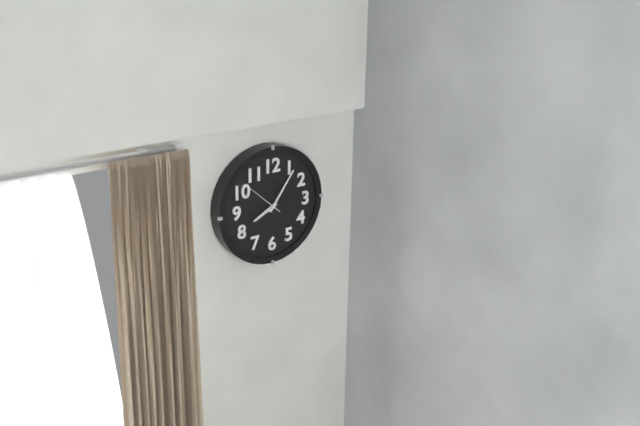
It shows {"hour": 8, "minute": 6}
